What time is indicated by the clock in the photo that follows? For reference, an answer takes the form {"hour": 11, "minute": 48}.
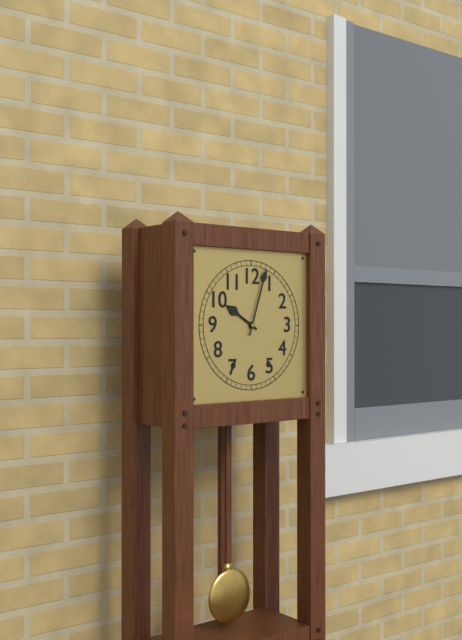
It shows {"hour": 10, "minute": 3}
